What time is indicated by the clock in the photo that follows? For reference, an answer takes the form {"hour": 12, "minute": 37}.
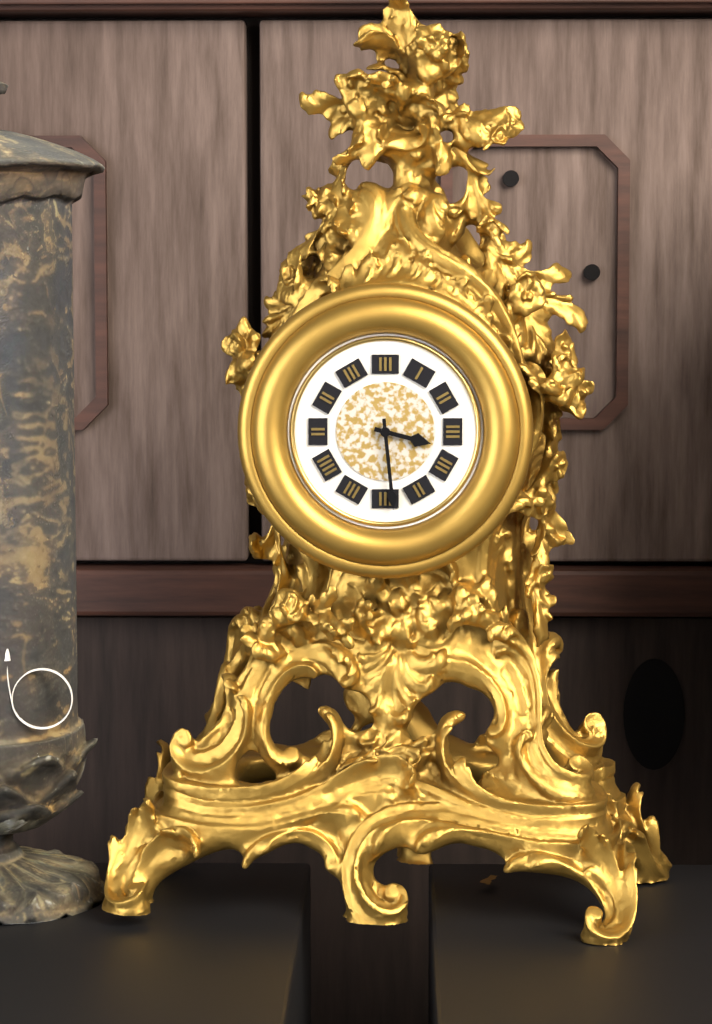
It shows {"hour": 3, "minute": 29}
